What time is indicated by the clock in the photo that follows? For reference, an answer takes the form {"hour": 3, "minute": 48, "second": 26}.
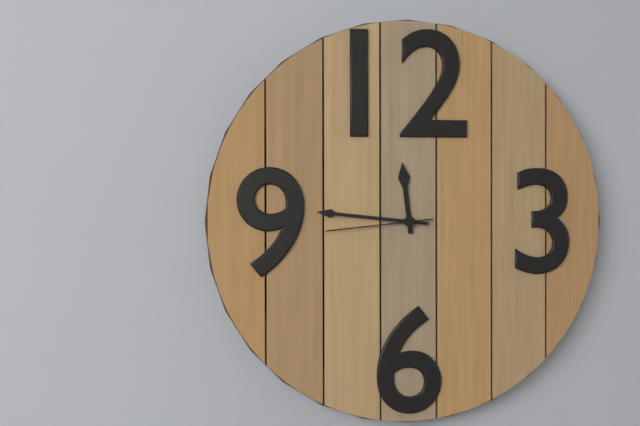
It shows {"hour": 11, "minute": 46, "second": 44}
